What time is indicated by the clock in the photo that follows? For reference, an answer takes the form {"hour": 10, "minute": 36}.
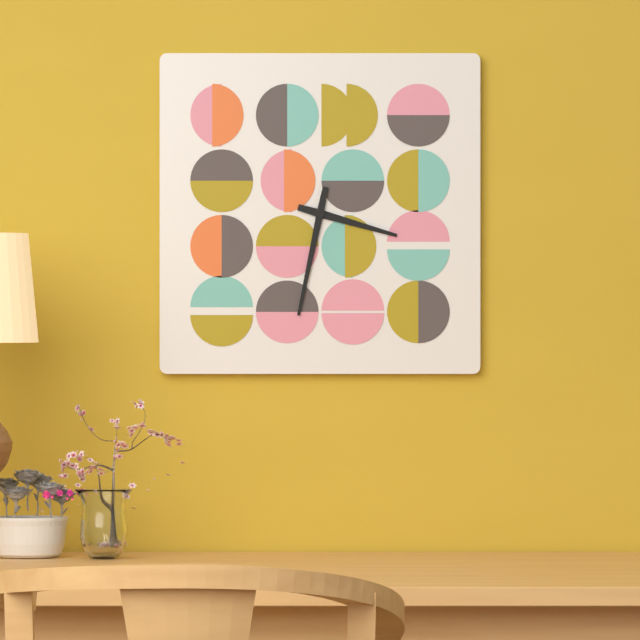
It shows {"hour": 3, "minute": 32}
